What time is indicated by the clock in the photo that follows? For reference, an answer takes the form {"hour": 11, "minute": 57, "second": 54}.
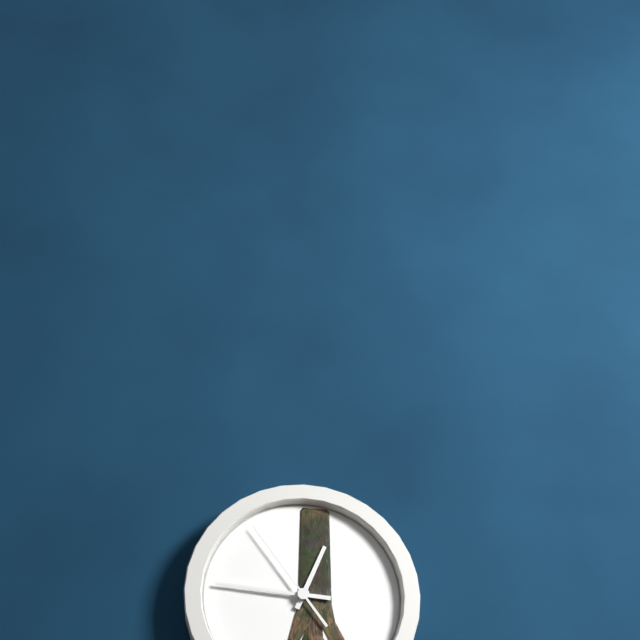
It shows {"hour": 12, "minute": 46, "second": 54}
